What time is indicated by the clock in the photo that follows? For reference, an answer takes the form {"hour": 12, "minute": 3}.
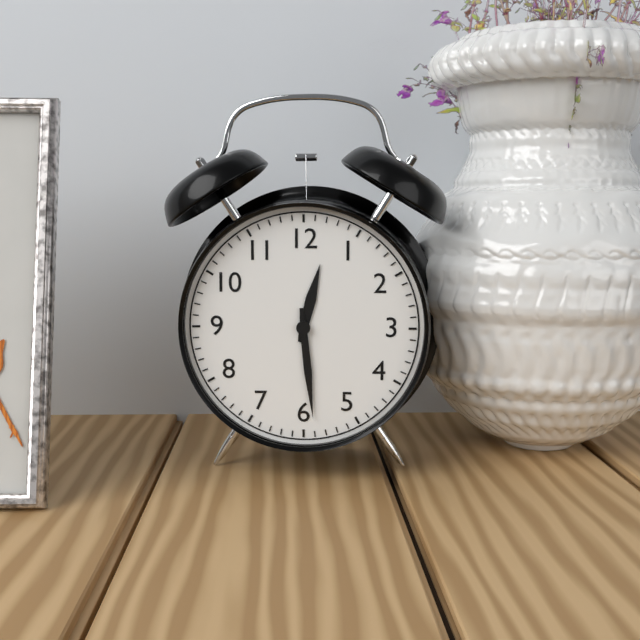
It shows {"hour": 12, "minute": 29}
